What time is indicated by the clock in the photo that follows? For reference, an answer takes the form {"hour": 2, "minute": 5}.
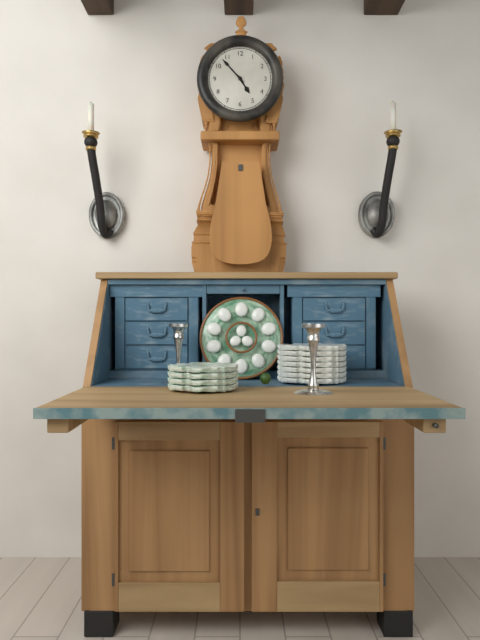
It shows {"hour": 4, "minute": 53}
